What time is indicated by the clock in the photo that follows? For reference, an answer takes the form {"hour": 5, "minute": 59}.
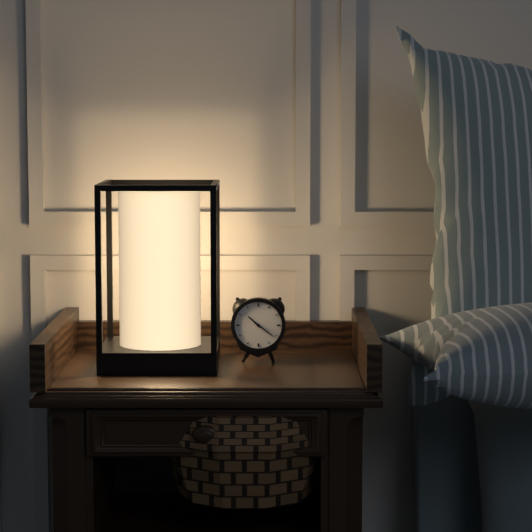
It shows {"hour": 10, "minute": 21}
